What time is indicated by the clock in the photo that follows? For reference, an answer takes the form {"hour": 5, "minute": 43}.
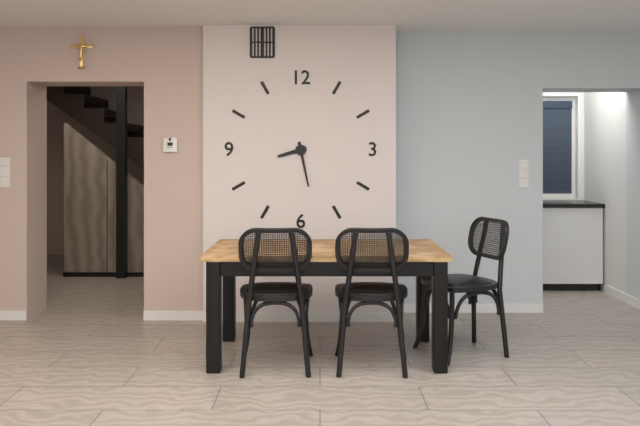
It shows {"hour": 8, "minute": 28}
